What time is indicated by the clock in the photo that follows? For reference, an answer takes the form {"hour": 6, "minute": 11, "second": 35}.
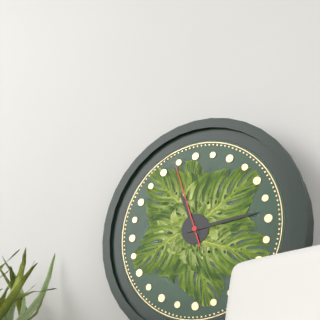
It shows {"hour": 11, "minute": 14, "second": 57}
